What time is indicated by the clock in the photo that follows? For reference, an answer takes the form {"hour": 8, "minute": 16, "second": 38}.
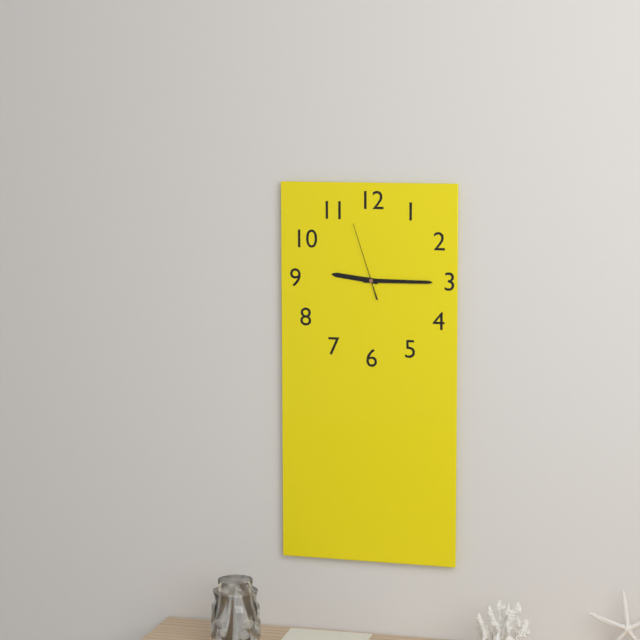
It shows {"hour": 9, "minute": 15, "second": 57}
